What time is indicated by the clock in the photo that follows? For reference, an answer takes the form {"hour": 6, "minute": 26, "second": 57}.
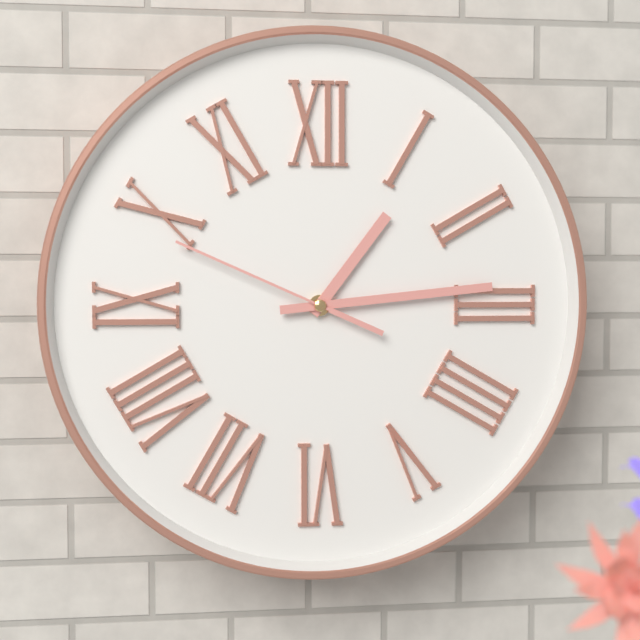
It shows {"hour": 1, "minute": 14, "second": 49}
